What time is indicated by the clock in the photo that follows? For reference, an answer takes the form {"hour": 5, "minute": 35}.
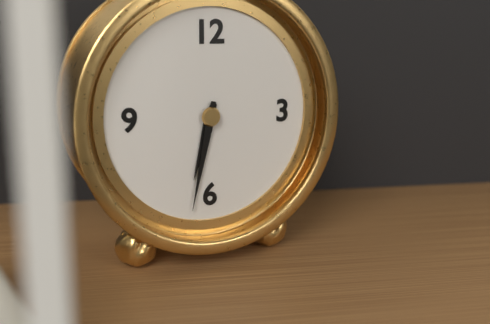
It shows {"hour": 6, "minute": 32}
